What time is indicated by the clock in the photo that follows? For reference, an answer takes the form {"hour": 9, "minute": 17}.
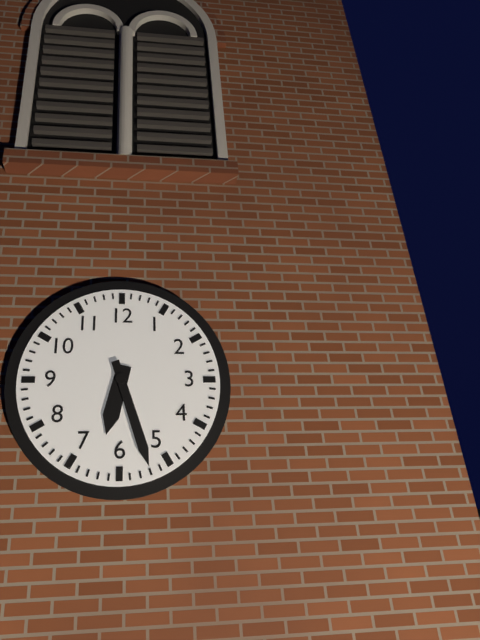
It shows {"hour": 6, "minute": 27}
